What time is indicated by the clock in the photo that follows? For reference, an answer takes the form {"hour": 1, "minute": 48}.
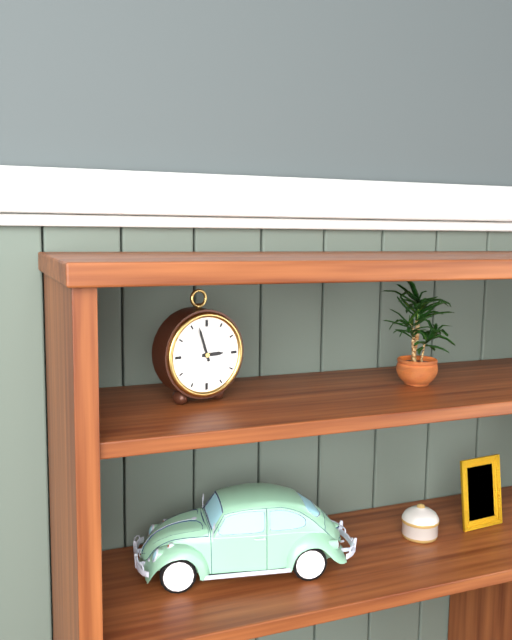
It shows {"hour": 2, "minute": 57}
